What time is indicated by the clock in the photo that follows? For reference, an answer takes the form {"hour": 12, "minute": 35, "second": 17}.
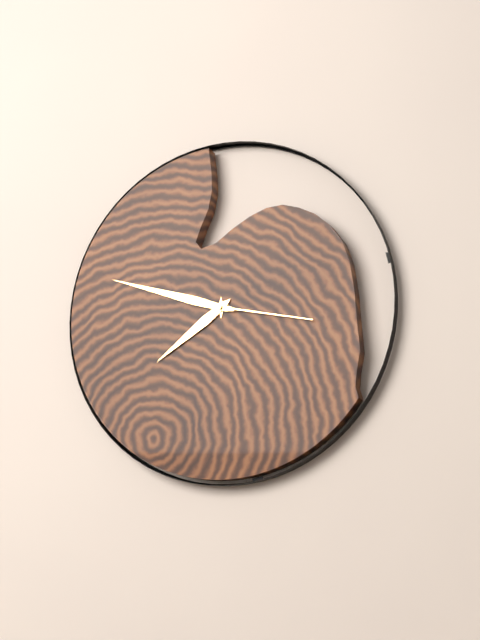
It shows {"hour": 7, "minute": 48, "second": 17}
